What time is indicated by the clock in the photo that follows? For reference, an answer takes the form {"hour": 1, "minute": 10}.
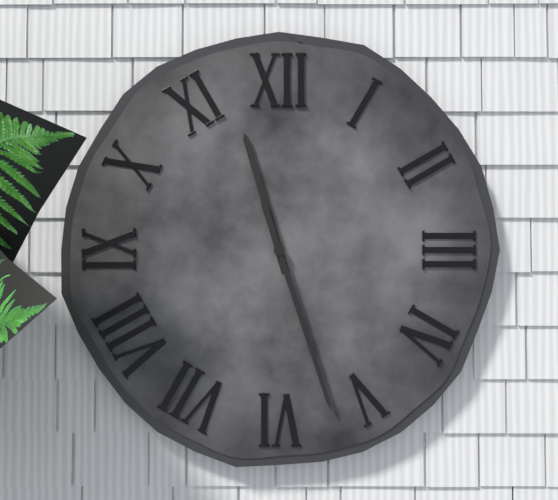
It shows {"hour": 11, "minute": 27}
